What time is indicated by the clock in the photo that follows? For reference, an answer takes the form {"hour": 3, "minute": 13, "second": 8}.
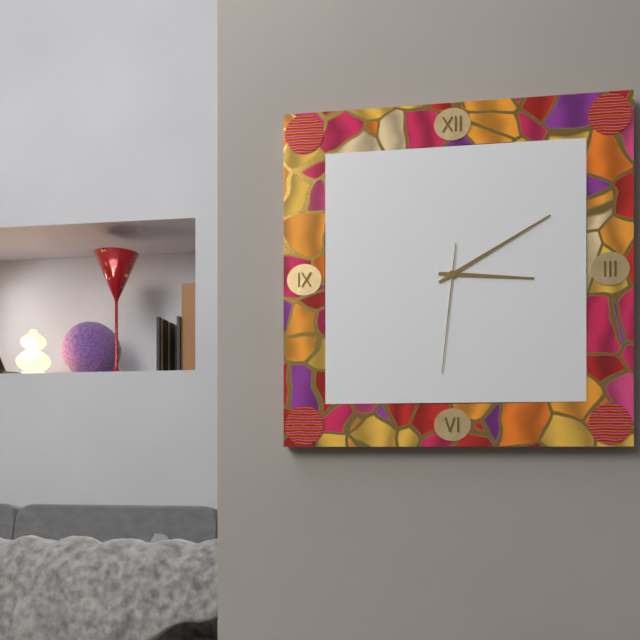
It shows {"hour": 3, "minute": 10, "second": 31}
